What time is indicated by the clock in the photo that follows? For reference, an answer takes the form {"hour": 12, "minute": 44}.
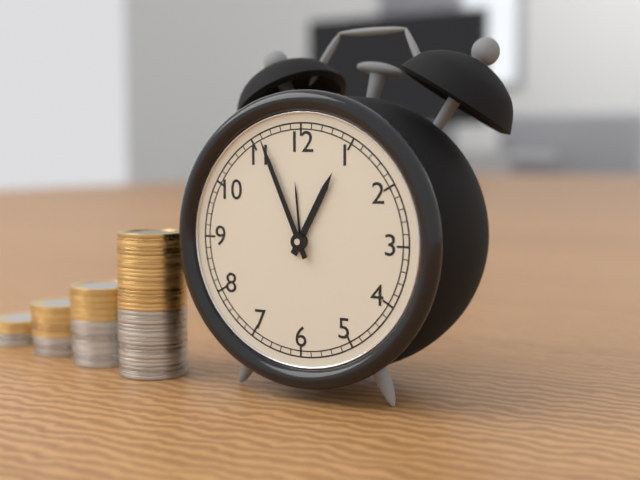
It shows {"hour": 12, "minute": 56}
